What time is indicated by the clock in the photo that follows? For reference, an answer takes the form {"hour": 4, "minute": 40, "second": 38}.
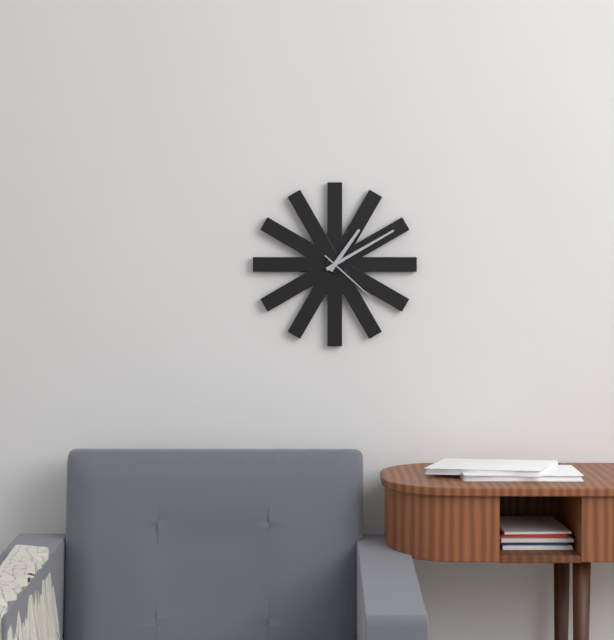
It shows {"hour": 1, "minute": 10, "second": 22}
